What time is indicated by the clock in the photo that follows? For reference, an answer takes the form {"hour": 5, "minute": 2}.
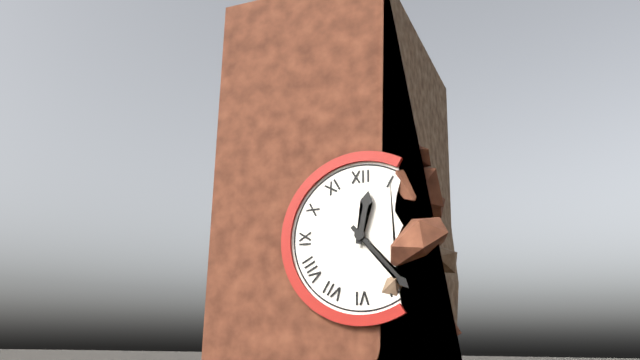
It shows {"hour": 12, "minute": 23}
